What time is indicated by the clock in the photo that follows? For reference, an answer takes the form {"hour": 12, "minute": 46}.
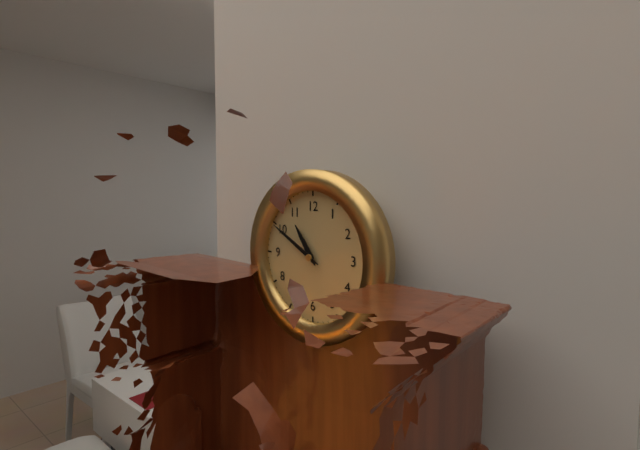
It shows {"hour": 10, "minute": 50}
